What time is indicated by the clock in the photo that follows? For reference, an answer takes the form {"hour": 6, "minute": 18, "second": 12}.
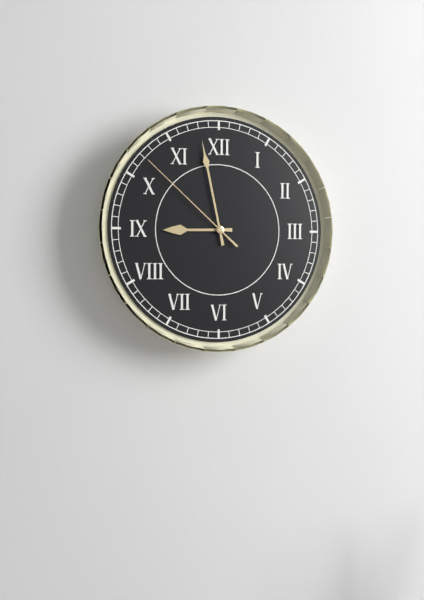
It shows {"hour": 8, "minute": 58, "second": 52}
